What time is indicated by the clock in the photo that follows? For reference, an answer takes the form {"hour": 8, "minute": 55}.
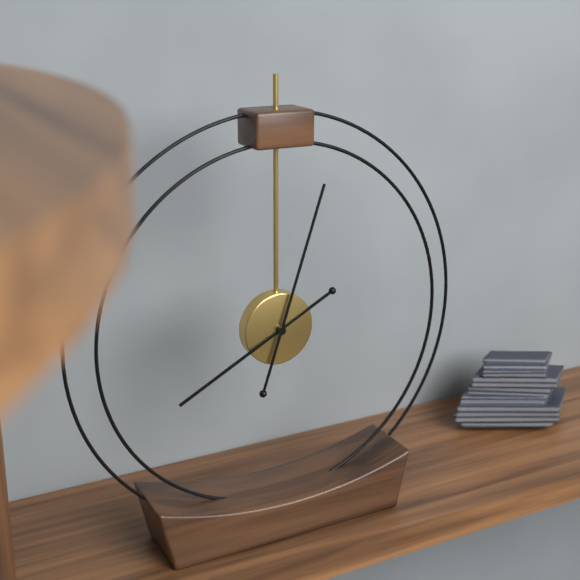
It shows {"hour": 8, "minute": 3}
